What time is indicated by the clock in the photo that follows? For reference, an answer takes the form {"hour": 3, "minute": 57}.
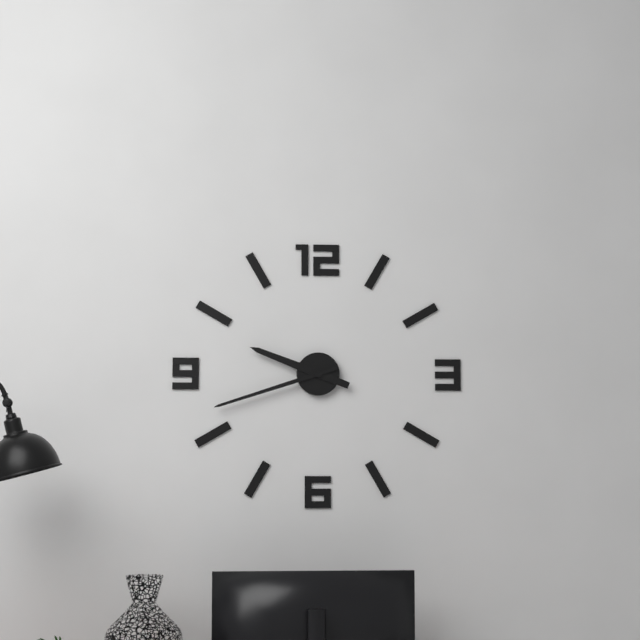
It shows {"hour": 9, "minute": 42}
